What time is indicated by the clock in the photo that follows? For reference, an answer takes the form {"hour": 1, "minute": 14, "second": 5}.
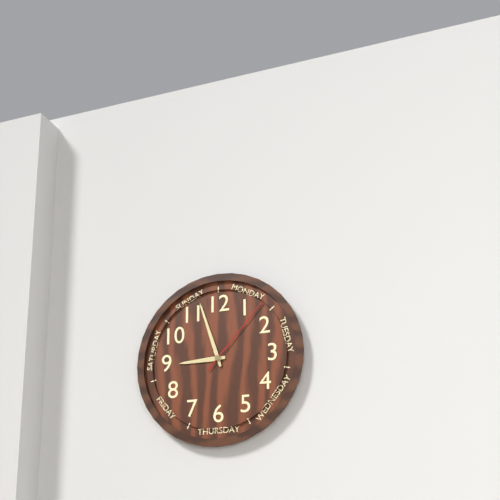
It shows {"hour": 8, "minute": 57, "second": 7}
